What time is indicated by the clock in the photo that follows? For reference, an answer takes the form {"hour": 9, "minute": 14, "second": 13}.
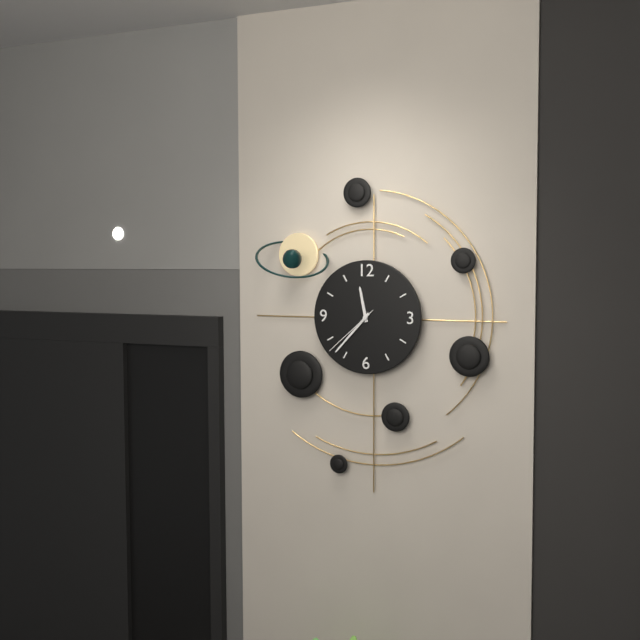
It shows {"hour": 11, "minute": 37, "second": 38}
